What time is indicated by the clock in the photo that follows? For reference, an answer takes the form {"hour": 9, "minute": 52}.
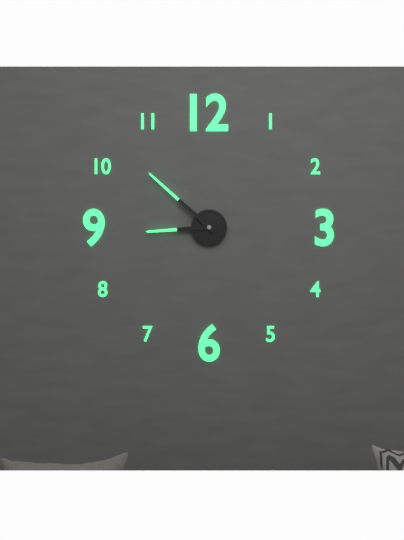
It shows {"hour": 8, "minute": 52}
